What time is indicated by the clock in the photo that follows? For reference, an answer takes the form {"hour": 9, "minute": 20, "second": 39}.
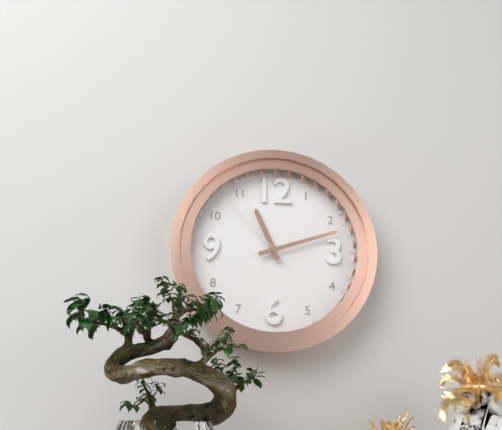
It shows {"hour": 11, "minute": 12, "second": 53}
